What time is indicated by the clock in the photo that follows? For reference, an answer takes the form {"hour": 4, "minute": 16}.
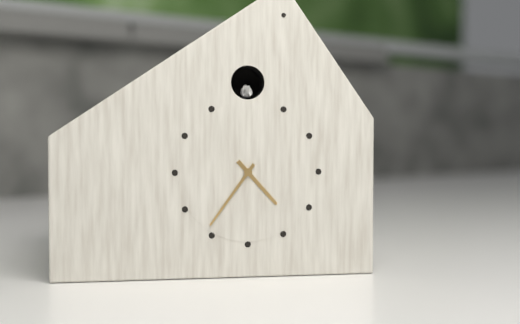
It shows {"hour": 4, "minute": 36}
